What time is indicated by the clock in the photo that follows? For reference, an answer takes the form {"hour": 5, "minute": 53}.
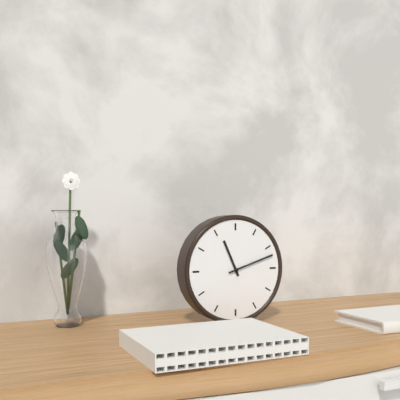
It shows {"hour": 11, "minute": 12}
